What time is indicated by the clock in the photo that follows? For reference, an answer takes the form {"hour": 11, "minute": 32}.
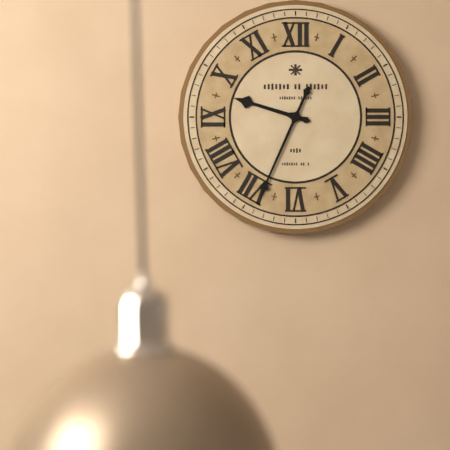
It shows {"hour": 9, "minute": 34}
